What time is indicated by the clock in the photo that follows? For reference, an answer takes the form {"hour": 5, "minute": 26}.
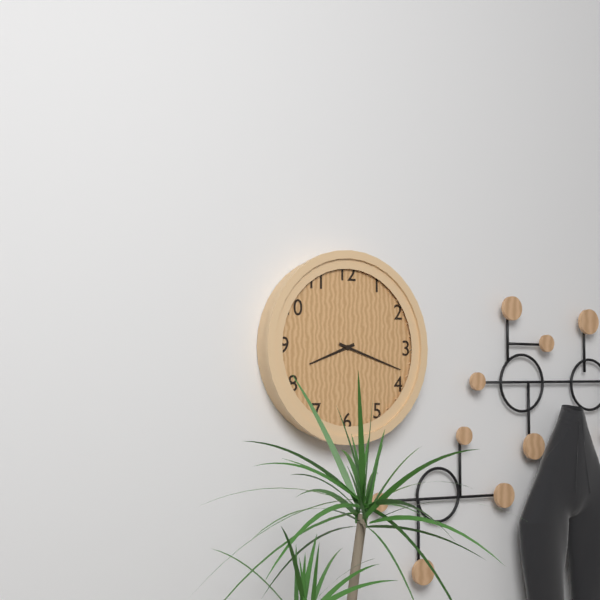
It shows {"hour": 8, "minute": 18}
